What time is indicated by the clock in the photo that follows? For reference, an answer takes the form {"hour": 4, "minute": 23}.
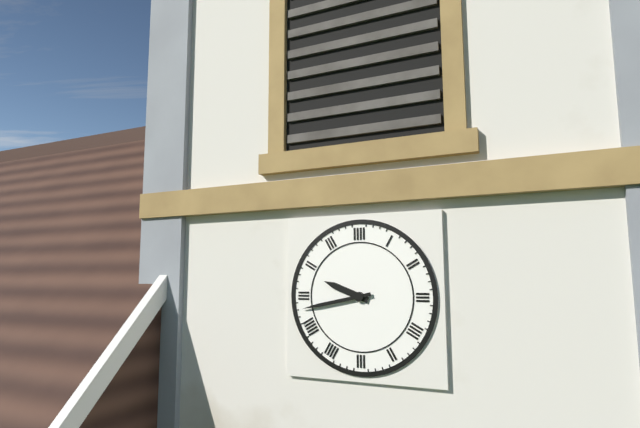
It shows {"hour": 9, "minute": 43}
